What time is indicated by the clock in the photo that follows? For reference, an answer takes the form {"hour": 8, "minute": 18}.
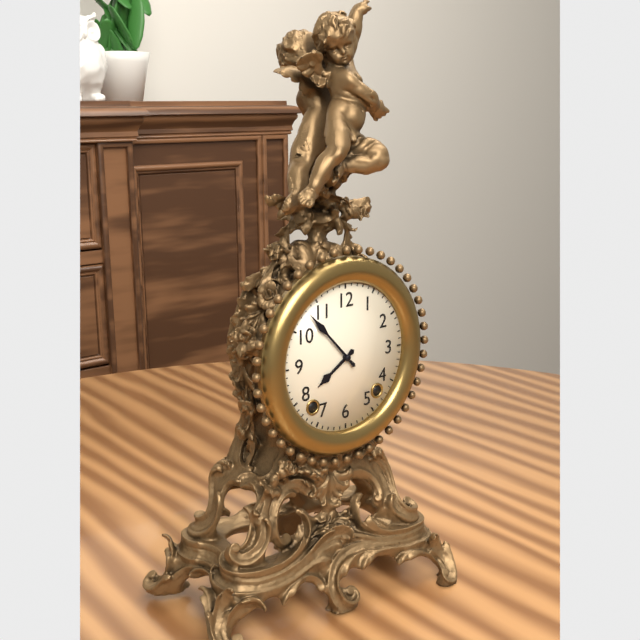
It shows {"hour": 7, "minute": 53}
